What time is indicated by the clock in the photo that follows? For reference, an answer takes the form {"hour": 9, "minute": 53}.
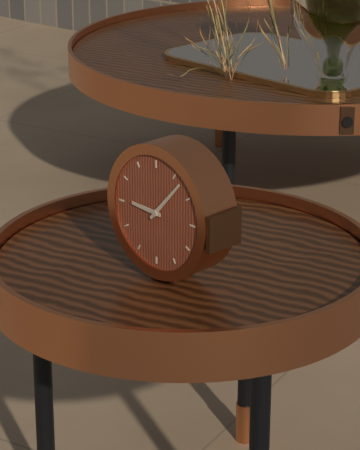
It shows {"hour": 9, "minute": 7}
